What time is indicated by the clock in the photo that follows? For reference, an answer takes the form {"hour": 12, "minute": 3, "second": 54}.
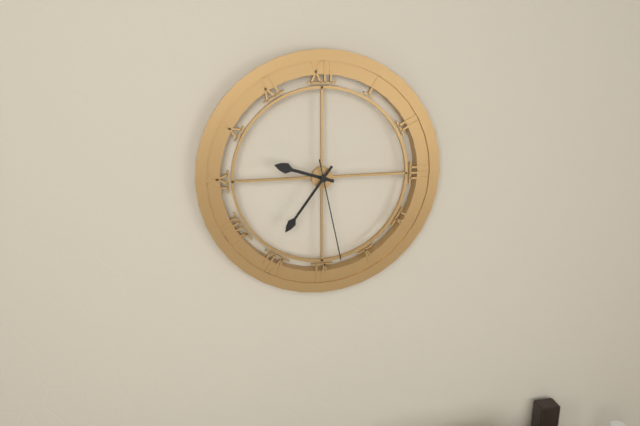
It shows {"hour": 9, "minute": 36, "second": 28}
